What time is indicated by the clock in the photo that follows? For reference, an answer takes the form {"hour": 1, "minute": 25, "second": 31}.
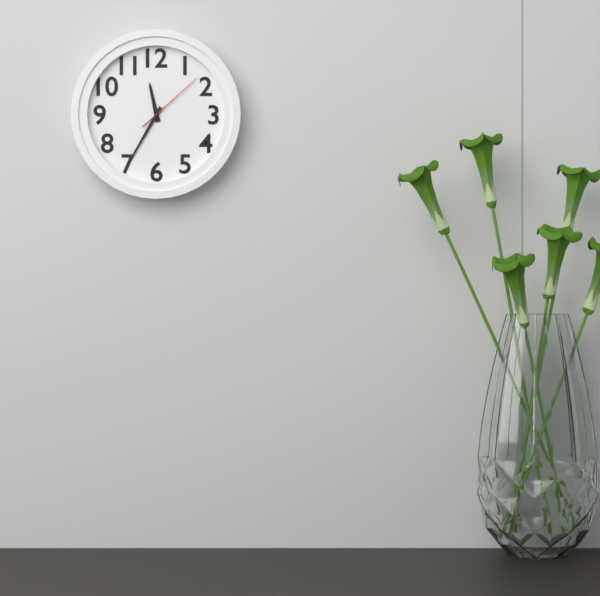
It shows {"hour": 11, "minute": 35, "second": 8}
